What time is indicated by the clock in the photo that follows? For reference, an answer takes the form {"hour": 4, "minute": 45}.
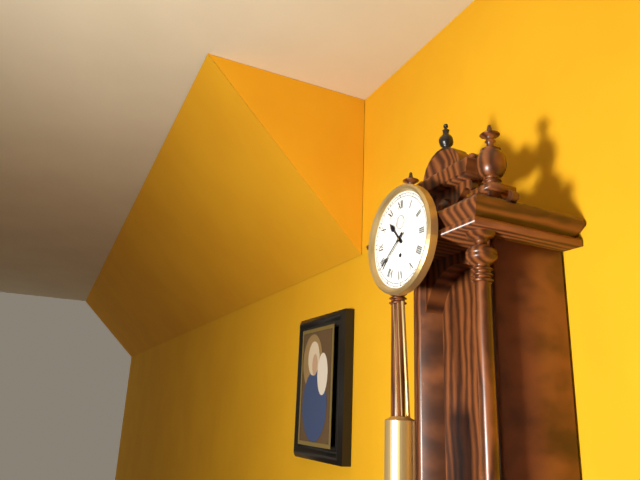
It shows {"hour": 10, "minute": 39}
